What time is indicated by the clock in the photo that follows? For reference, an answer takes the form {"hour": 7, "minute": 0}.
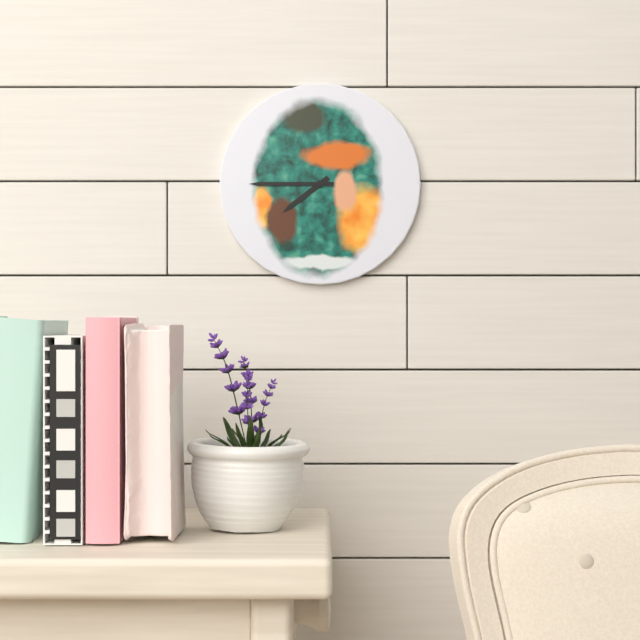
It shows {"hour": 7, "minute": 45}
